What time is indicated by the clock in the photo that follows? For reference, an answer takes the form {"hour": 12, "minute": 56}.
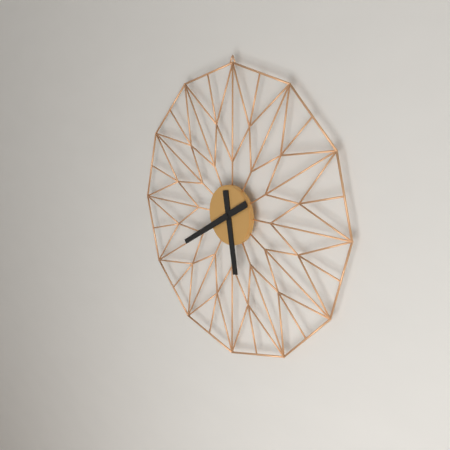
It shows {"hour": 5, "minute": 40}
